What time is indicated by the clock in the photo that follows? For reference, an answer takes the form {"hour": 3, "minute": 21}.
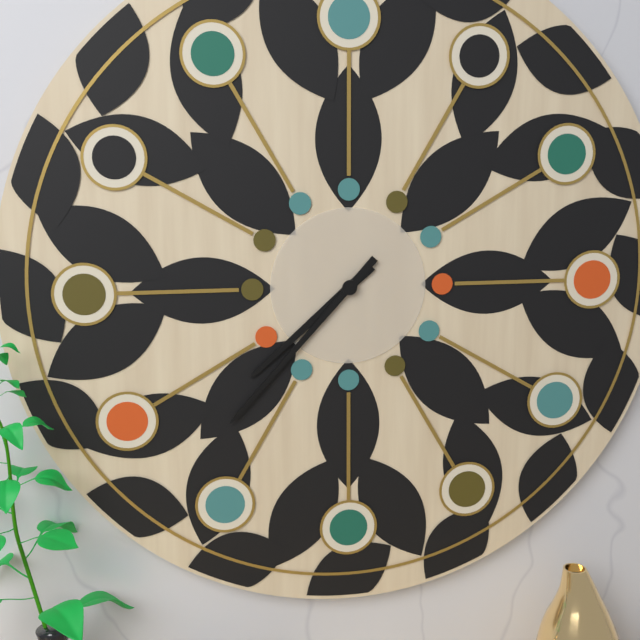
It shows {"hour": 7, "minute": 37}
